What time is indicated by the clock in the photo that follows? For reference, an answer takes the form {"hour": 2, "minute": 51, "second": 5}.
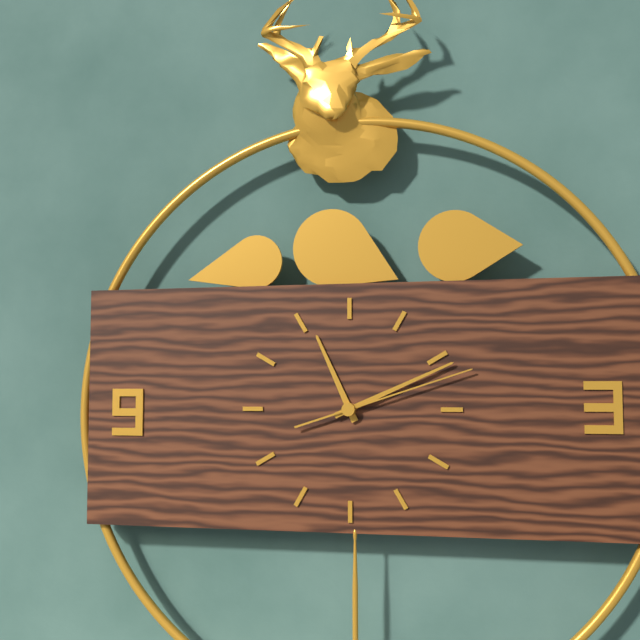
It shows {"hour": 11, "minute": 11, "second": 12}
